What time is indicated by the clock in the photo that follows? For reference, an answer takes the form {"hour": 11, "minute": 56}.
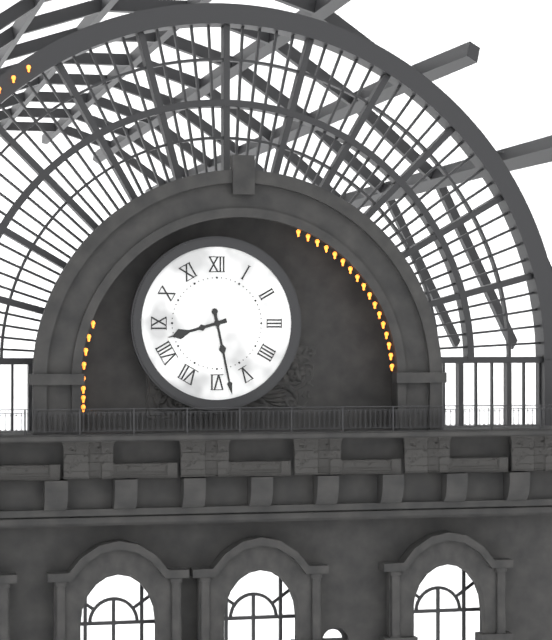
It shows {"hour": 8, "minute": 28}
